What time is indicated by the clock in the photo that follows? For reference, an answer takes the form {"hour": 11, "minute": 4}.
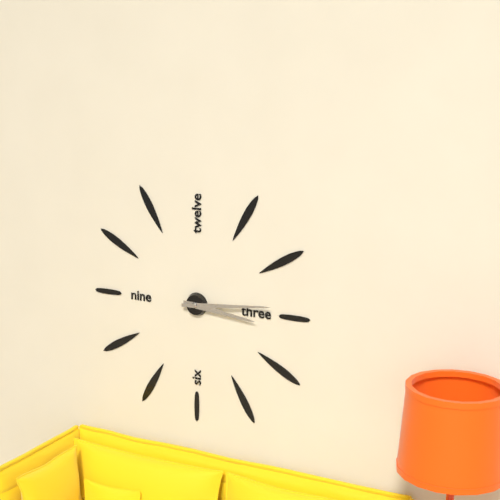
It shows {"hour": 3, "minute": 14}
